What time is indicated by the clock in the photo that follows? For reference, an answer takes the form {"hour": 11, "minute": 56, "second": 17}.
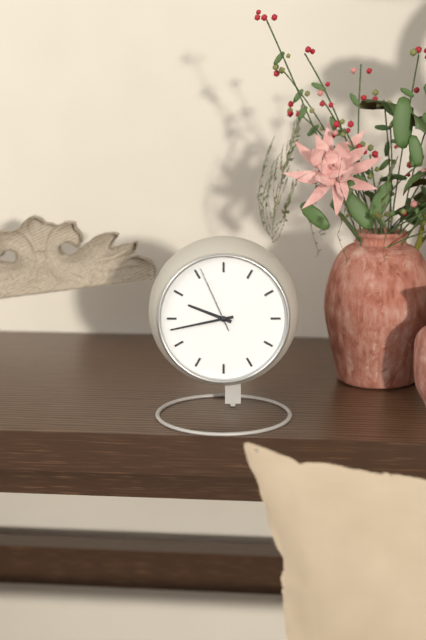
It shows {"hour": 9, "minute": 43, "second": 56}
